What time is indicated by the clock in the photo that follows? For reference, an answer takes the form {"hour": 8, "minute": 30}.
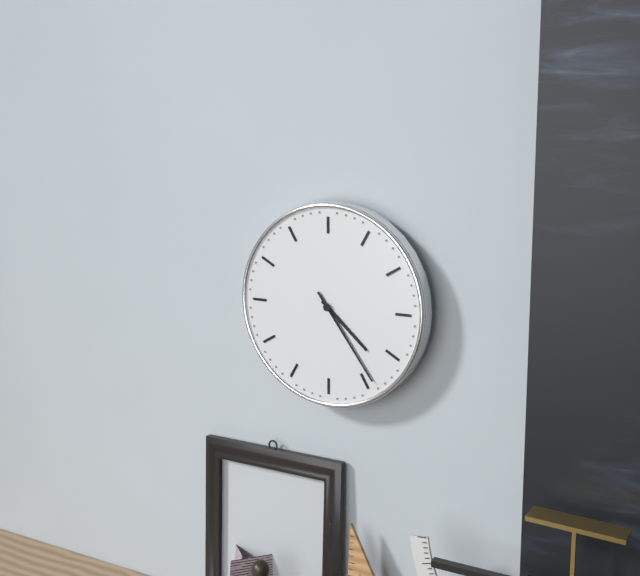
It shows {"hour": 4, "minute": 24}
